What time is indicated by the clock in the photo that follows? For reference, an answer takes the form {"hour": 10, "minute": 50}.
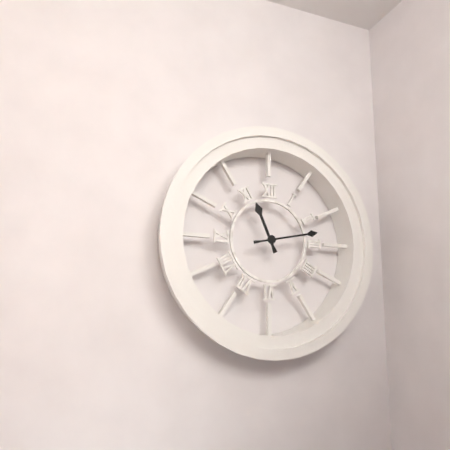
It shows {"hour": 11, "minute": 13}
